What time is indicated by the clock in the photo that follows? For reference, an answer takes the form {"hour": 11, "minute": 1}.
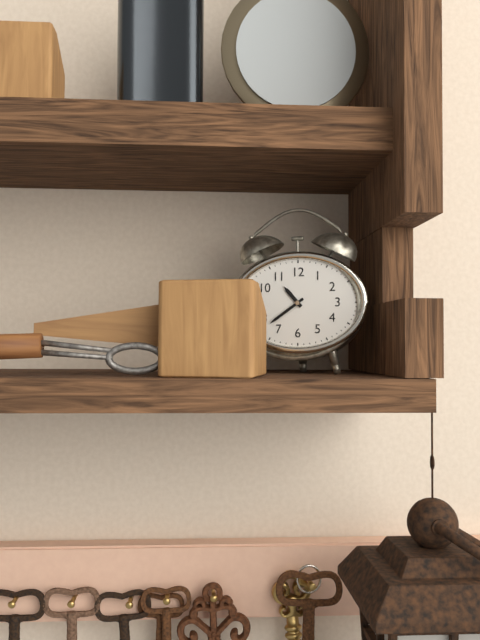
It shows {"hour": 10, "minute": 39}
